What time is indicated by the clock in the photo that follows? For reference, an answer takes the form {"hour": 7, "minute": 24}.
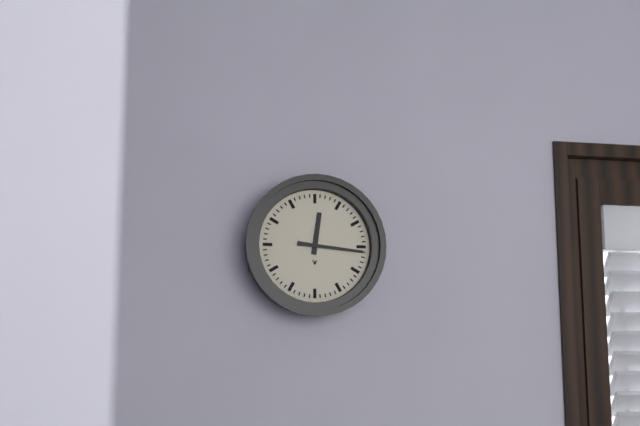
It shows {"hour": 12, "minute": 16}
